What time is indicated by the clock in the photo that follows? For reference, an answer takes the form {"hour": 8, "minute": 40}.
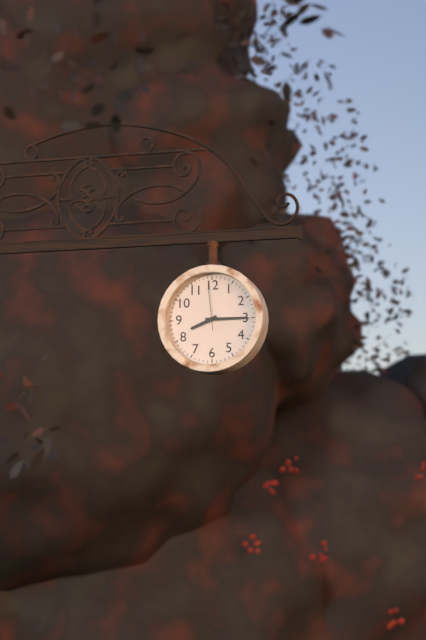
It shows {"hour": 8, "minute": 15}
